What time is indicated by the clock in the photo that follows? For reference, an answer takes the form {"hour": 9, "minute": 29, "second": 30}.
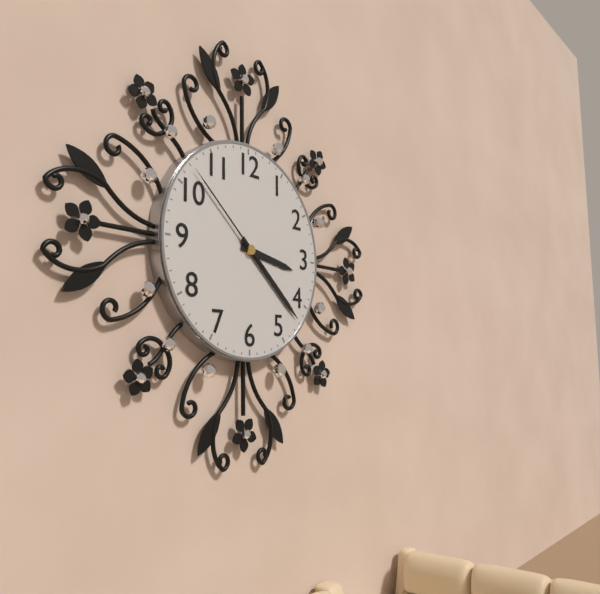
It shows {"hour": 3, "minute": 22, "second": 52}
